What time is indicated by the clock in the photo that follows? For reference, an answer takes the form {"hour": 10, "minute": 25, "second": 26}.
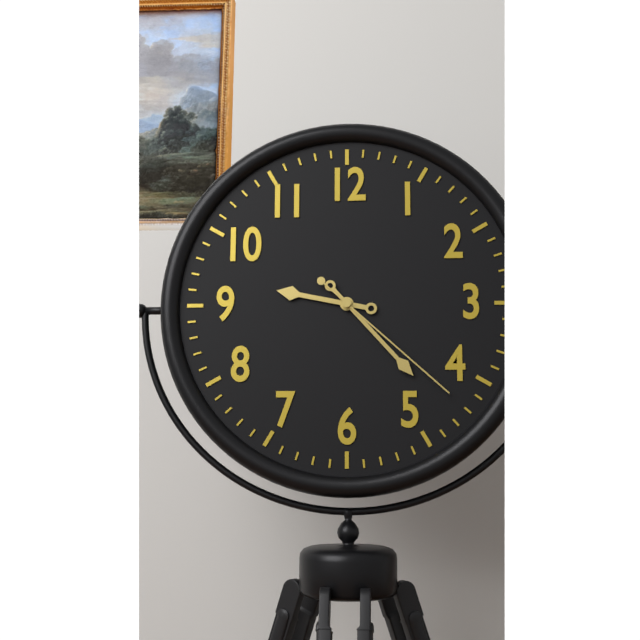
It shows {"hour": 9, "minute": 23, "second": 22}
